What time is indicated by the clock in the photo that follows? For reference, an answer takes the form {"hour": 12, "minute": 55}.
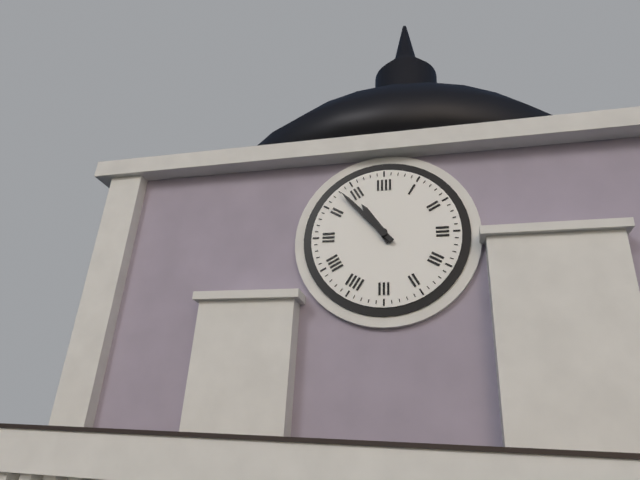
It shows {"hour": 10, "minute": 53}
